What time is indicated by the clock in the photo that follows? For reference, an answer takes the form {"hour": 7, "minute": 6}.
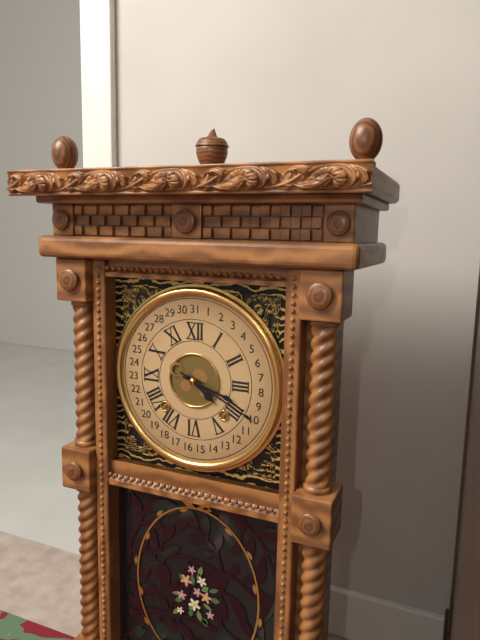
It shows {"hour": 4, "minute": 18}
